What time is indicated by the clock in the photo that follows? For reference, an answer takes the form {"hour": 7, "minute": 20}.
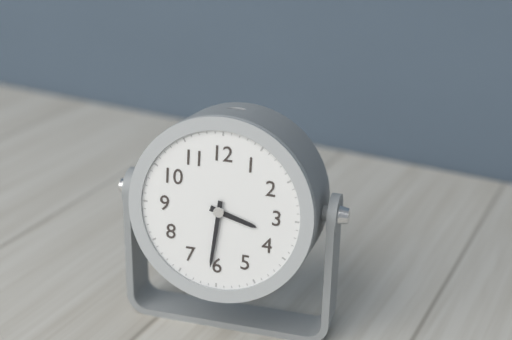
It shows {"hour": 3, "minute": 31}
